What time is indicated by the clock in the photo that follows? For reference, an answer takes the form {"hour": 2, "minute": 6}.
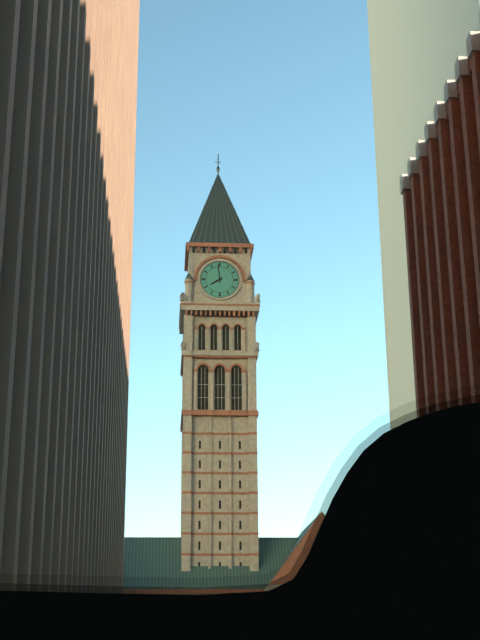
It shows {"hour": 7, "minute": 59}
